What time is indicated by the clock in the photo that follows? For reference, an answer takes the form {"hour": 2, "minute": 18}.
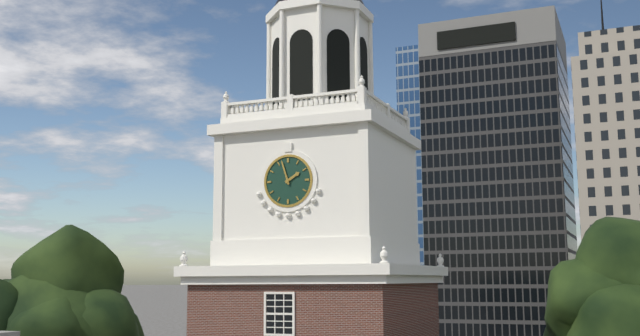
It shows {"hour": 1, "minute": 57}
